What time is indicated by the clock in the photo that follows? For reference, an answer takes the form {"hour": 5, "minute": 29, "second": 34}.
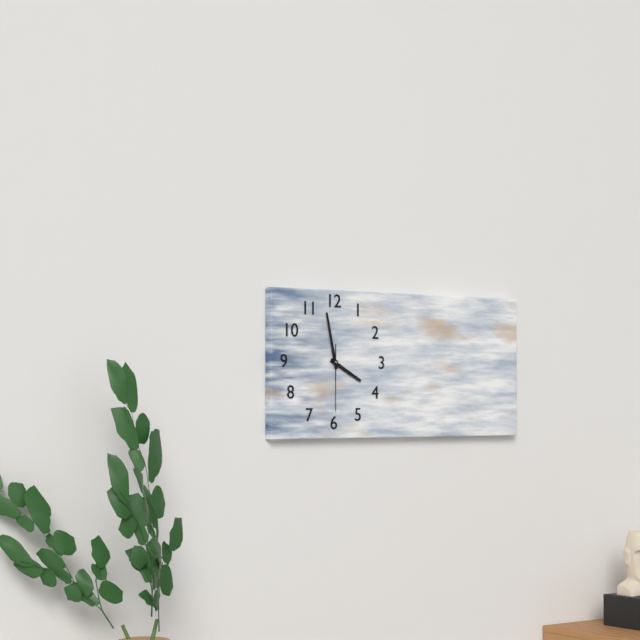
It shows {"hour": 3, "minute": 58, "second": 30}
